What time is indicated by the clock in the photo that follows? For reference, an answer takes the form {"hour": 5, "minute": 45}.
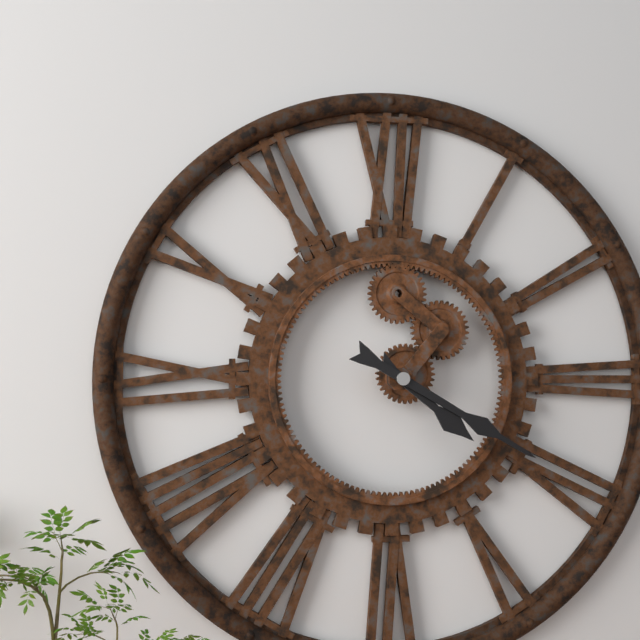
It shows {"hour": 4, "minute": 20}
